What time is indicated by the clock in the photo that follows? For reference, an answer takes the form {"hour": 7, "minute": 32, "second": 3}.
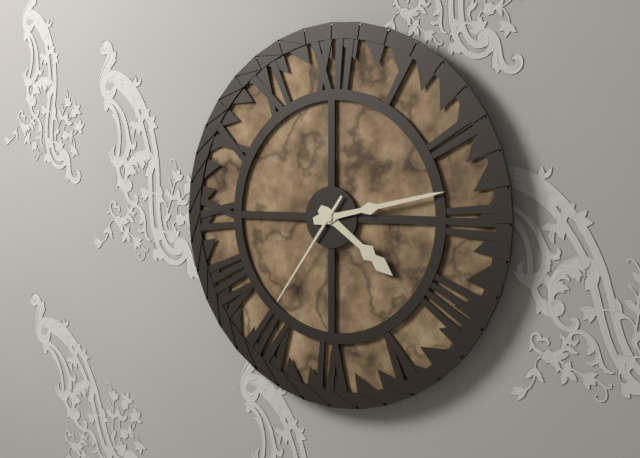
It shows {"hour": 4, "minute": 13, "second": 36}
